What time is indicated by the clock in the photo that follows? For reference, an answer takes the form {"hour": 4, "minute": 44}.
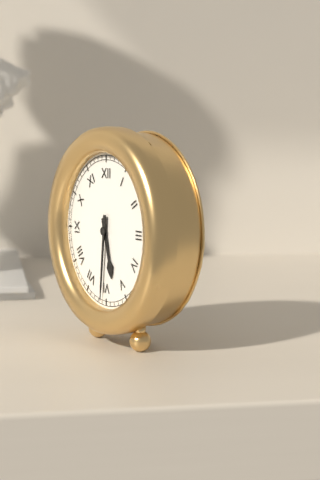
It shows {"hour": 5, "minute": 31}
